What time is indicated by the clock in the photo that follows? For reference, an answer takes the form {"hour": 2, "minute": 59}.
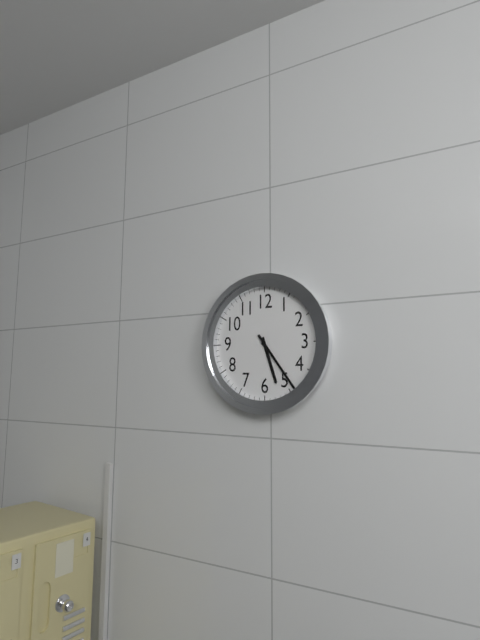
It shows {"hour": 5, "minute": 24}
